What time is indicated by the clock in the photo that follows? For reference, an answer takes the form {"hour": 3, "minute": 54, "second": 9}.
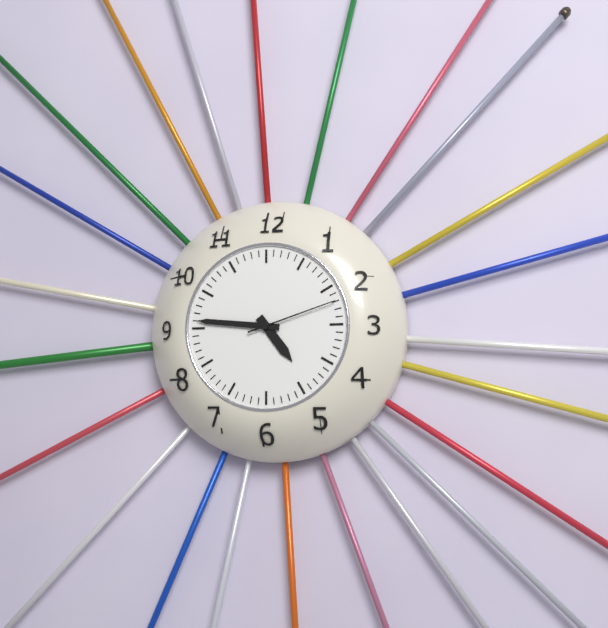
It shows {"hour": 4, "minute": 46, "second": 12}
